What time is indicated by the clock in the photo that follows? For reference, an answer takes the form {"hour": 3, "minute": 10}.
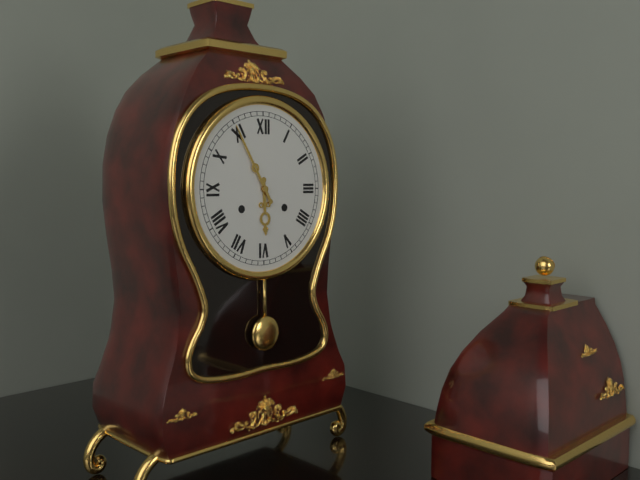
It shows {"hour": 5, "minute": 55}
